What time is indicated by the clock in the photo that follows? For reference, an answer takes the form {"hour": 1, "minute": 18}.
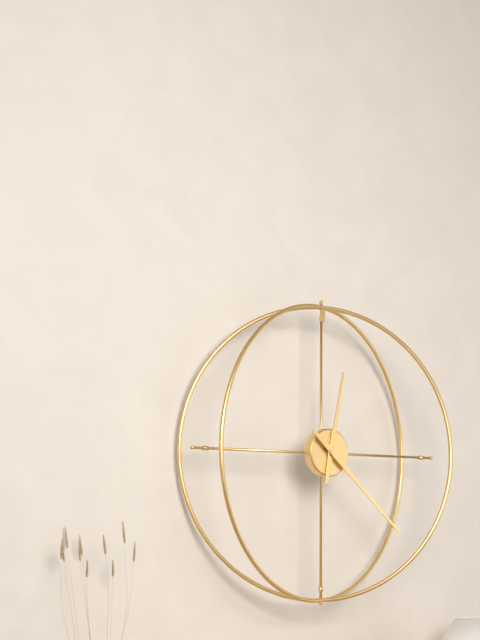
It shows {"hour": 12, "minute": 22}
